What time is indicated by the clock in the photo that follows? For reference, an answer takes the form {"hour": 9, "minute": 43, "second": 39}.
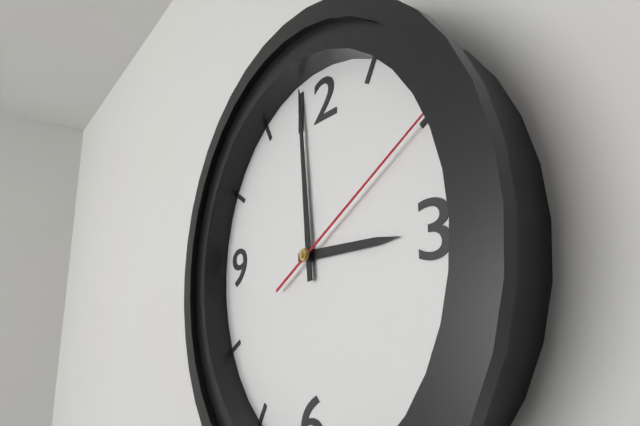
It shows {"hour": 2, "minute": 59, "second": 10}
